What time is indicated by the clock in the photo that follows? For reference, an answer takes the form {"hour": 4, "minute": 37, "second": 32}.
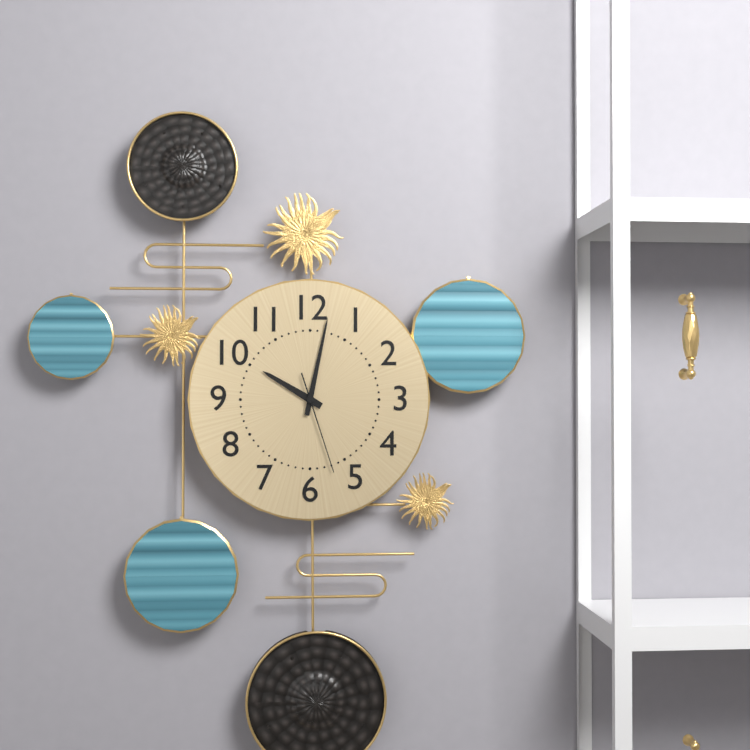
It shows {"hour": 10, "minute": 2, "second": 27}
